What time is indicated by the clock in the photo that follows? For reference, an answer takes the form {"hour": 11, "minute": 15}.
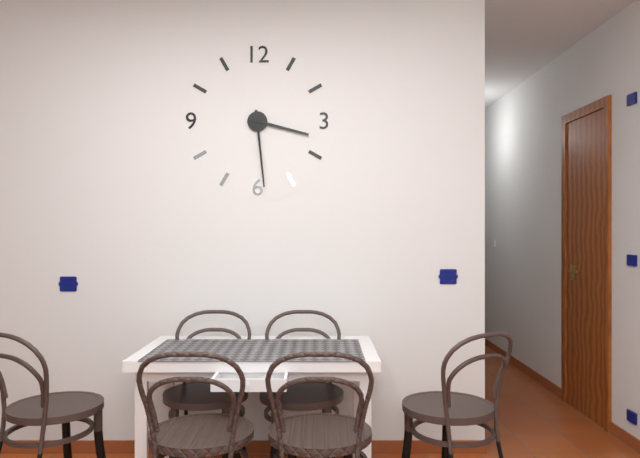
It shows {"hour": 3, "minute": 29}
